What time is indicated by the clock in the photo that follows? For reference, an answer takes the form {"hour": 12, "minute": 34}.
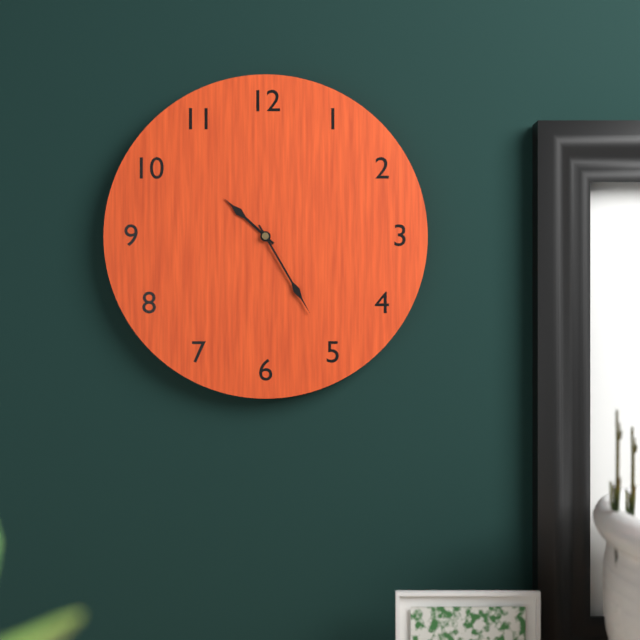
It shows {"hour": 10, "minute": 25}
